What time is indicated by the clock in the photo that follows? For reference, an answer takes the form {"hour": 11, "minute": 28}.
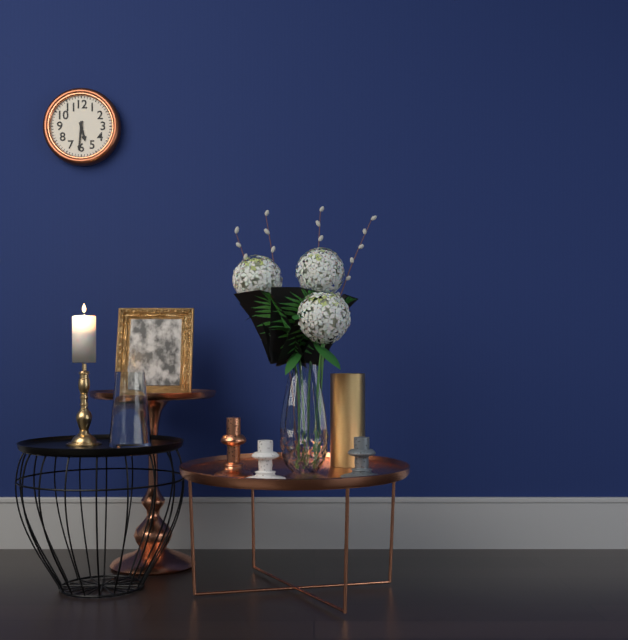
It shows {"hour": 5, "minute": 31}
